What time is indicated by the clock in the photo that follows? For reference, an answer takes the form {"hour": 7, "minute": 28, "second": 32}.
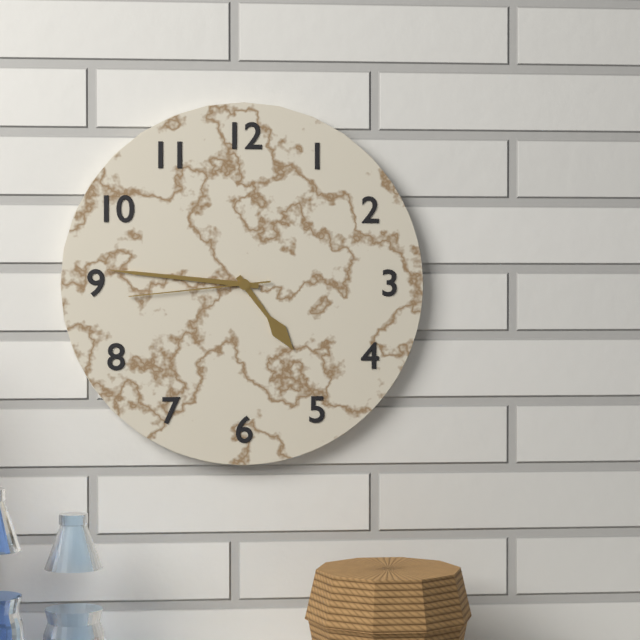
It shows {"hour": 4, "minute": 46, "second": 44}
